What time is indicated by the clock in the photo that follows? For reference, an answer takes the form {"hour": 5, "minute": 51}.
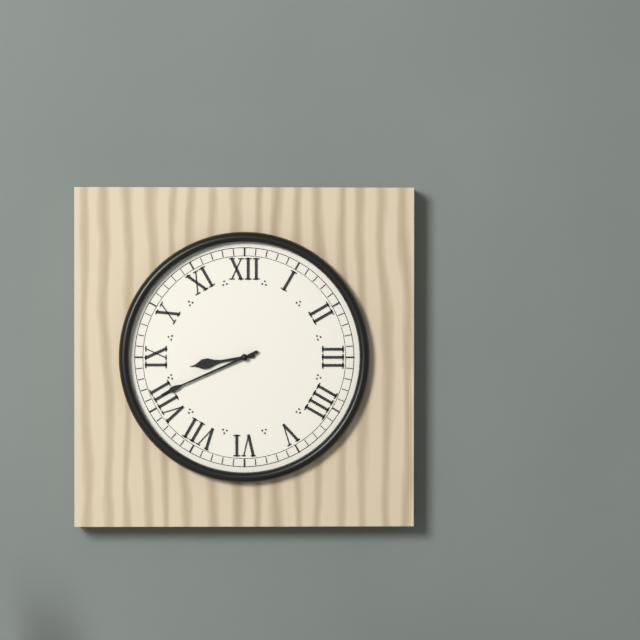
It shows {"hour": 8, "minute": 41}
